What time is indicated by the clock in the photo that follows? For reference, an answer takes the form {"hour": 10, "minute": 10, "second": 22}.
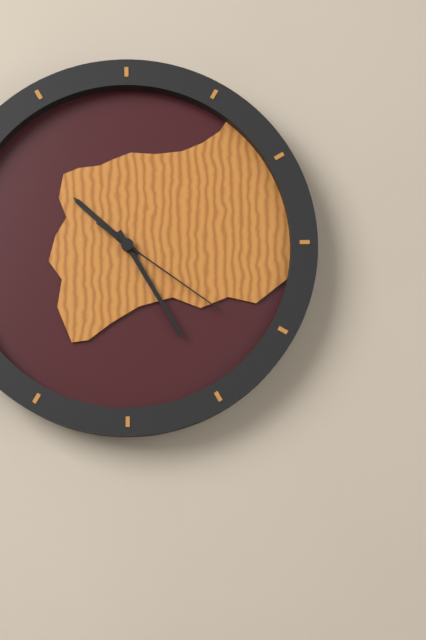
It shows {"hour": 10, "minute": 25, "second": 21}
